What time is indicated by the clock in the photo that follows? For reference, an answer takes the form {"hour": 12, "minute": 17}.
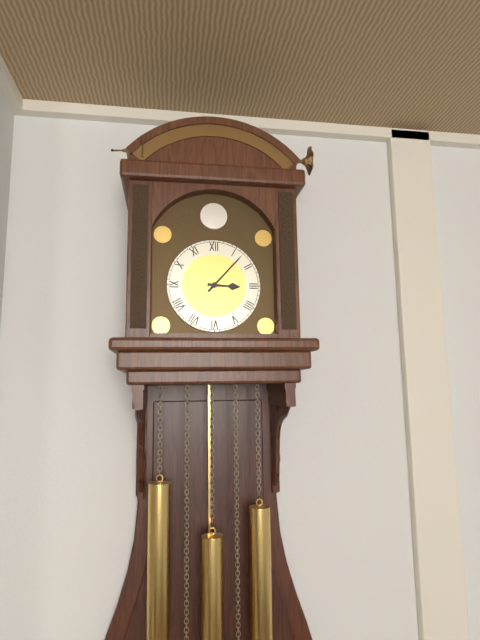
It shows {"hour": 3, "minute": 7}
